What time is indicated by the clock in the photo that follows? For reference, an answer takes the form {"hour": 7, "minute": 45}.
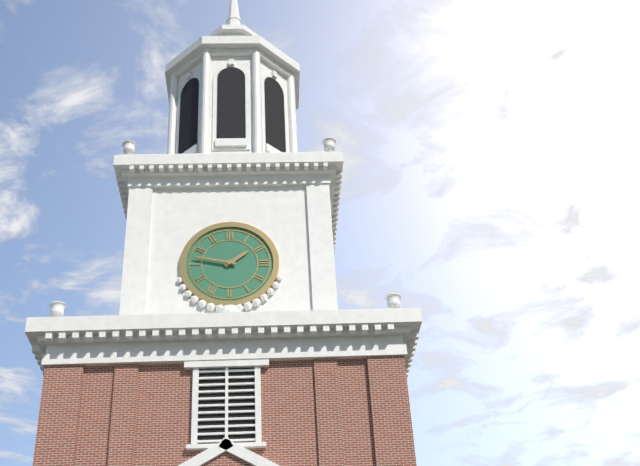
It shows {"hour": 1, "minute": 47}
